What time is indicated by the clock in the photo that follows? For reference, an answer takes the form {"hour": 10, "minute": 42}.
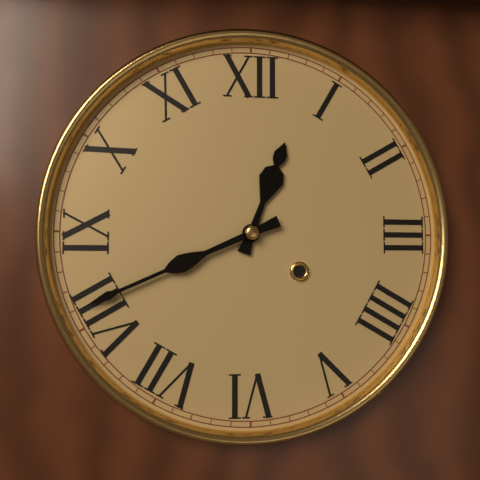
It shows {"hour": 12, "minute": 41}
